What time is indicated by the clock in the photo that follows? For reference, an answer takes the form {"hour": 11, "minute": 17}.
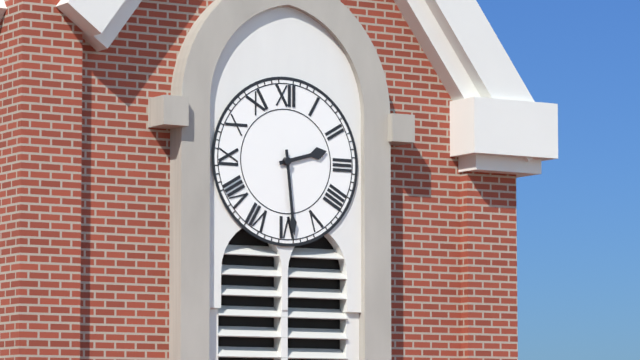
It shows {"hour": 2, "minute": 29}
